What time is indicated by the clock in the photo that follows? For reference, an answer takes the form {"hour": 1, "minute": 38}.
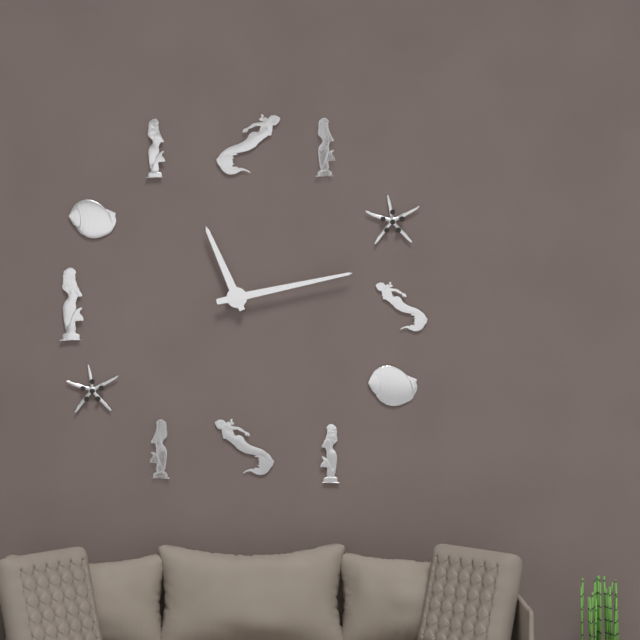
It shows {"hour": 11, "minute": 13}
